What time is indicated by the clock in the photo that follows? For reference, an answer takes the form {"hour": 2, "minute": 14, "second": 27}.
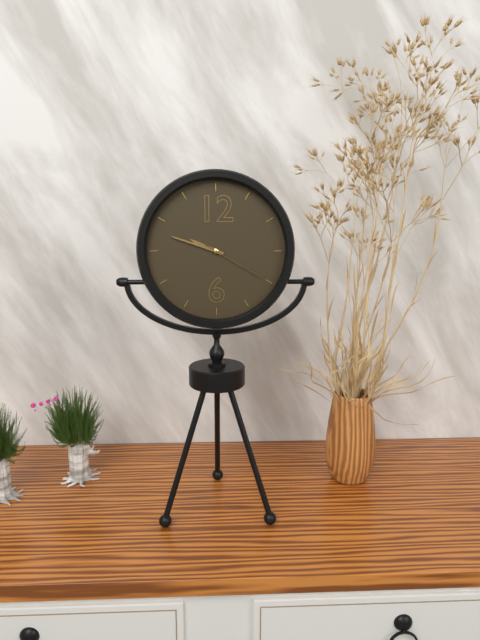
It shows {"hour": 9, "minute": 48, "second": 20}
